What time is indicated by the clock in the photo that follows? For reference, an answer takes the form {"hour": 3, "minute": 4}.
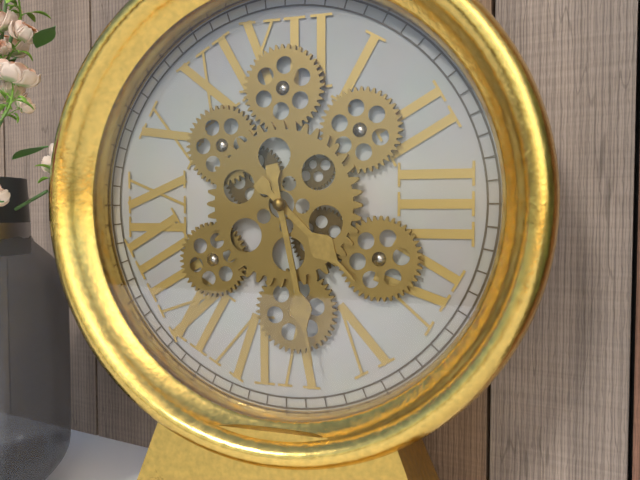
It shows {"hour": 4, "minute": 28}
